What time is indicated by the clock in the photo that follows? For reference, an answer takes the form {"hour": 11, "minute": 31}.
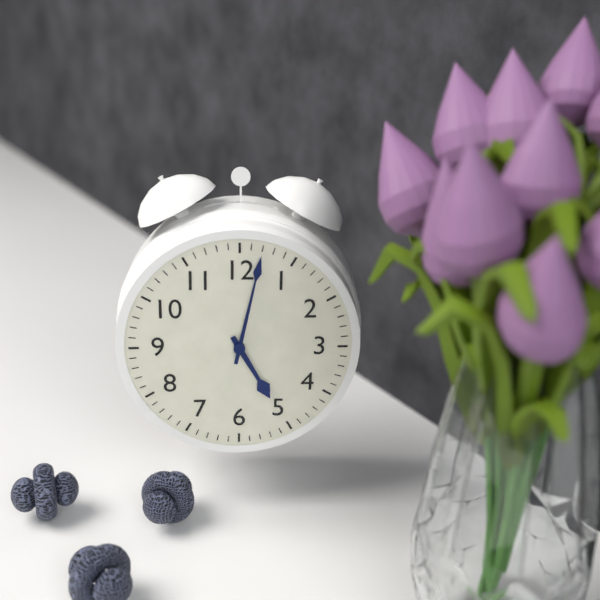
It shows {"hour": 5, "minute": 2}
